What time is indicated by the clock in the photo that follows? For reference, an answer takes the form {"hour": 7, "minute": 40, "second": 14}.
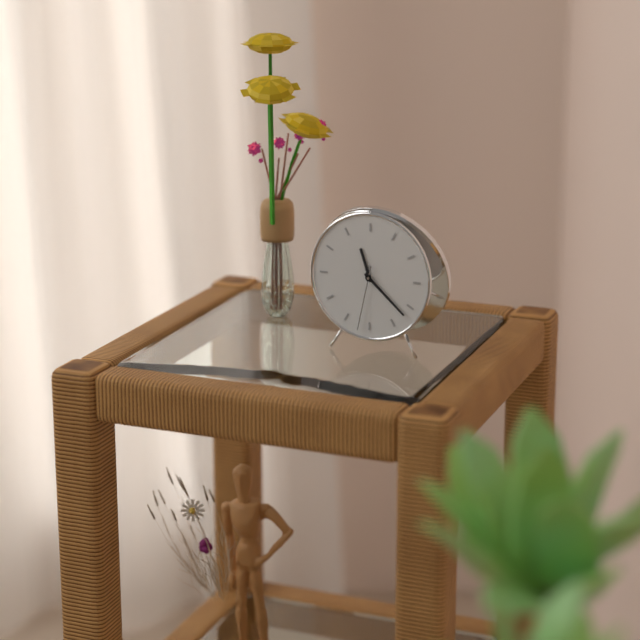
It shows {"hour": 11, "minute": 22, "second": 32}
